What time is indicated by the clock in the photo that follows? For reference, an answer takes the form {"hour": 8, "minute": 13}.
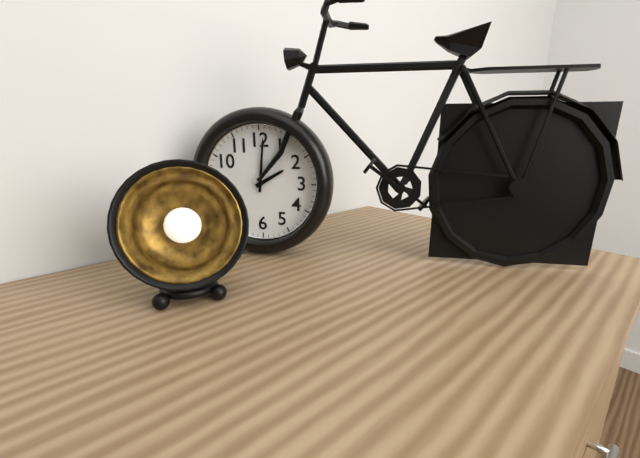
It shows {"hour": 2, "minute": 1}
